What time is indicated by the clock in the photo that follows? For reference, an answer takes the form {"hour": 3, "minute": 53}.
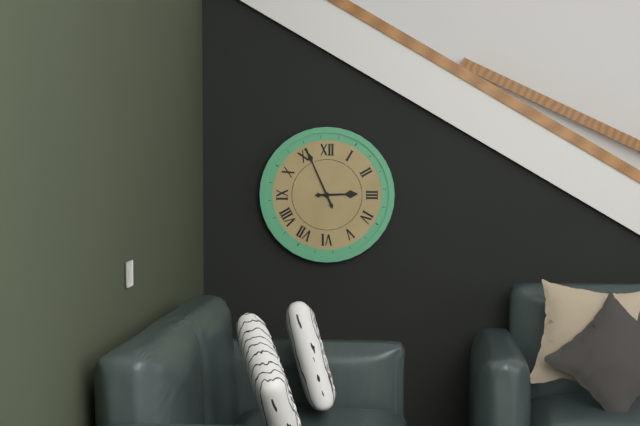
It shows {"hour": 2, "minute": 56}
